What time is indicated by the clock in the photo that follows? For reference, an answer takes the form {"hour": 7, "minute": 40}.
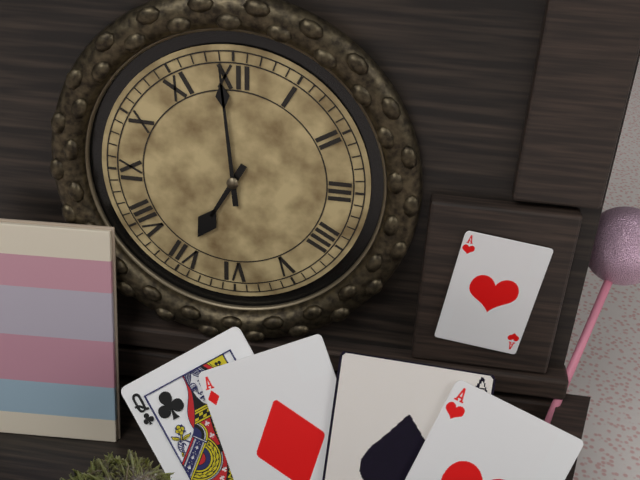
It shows {"hour": 6, "minute": 59}
